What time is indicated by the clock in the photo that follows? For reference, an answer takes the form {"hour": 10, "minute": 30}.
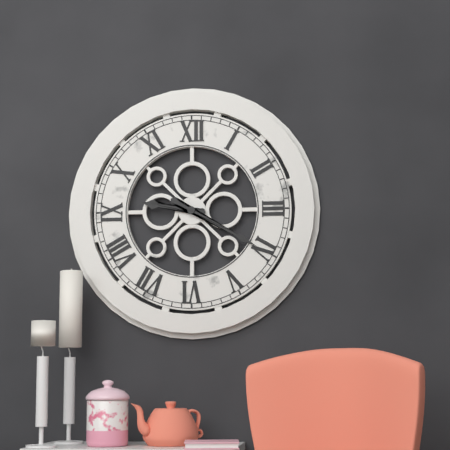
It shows {"hour": 9, "minute": 20}
